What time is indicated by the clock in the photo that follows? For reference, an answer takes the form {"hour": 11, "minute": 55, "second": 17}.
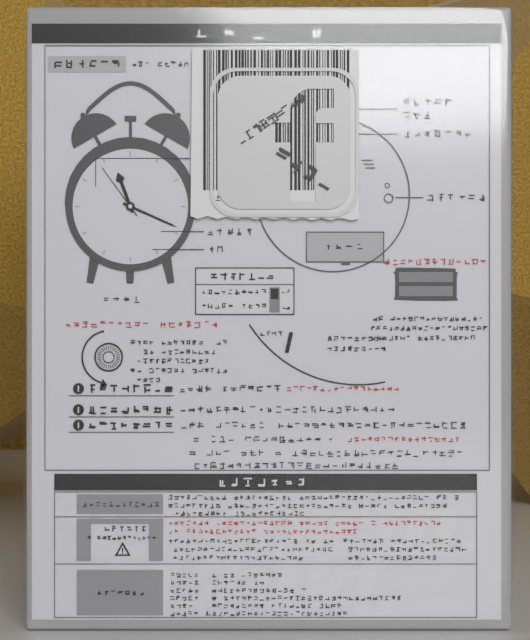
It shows {"hour": 11, "minute": 19, "second": 54}
